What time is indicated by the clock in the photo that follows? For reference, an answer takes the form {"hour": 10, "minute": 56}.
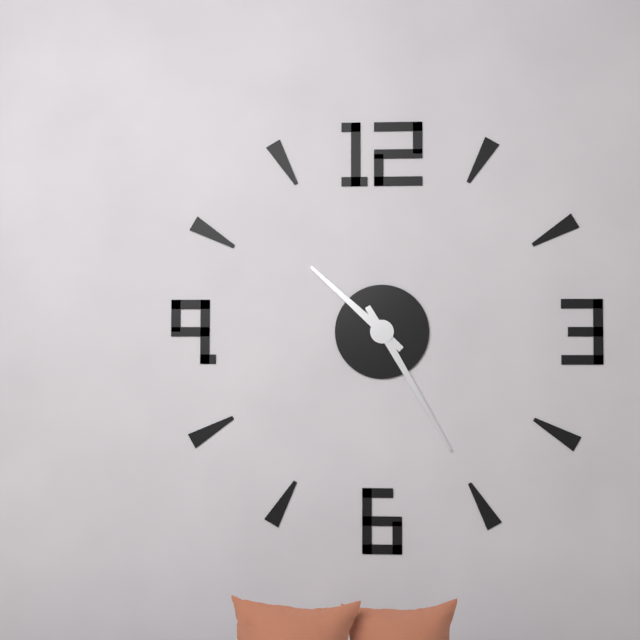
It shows {"hour": 10, "minute": 25}
